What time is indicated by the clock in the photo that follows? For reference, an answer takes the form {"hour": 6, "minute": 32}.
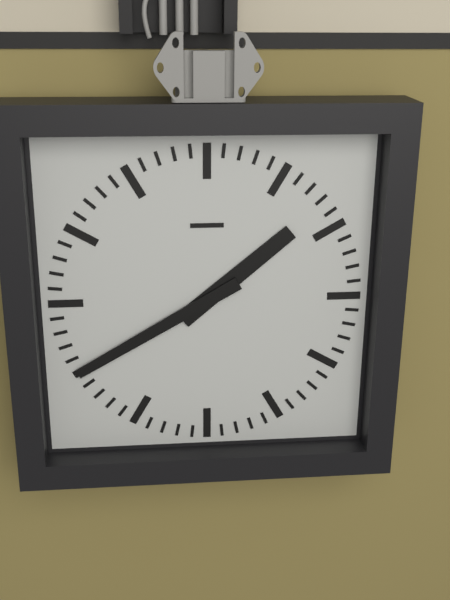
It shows {"hour": 1, "minute": 40}
